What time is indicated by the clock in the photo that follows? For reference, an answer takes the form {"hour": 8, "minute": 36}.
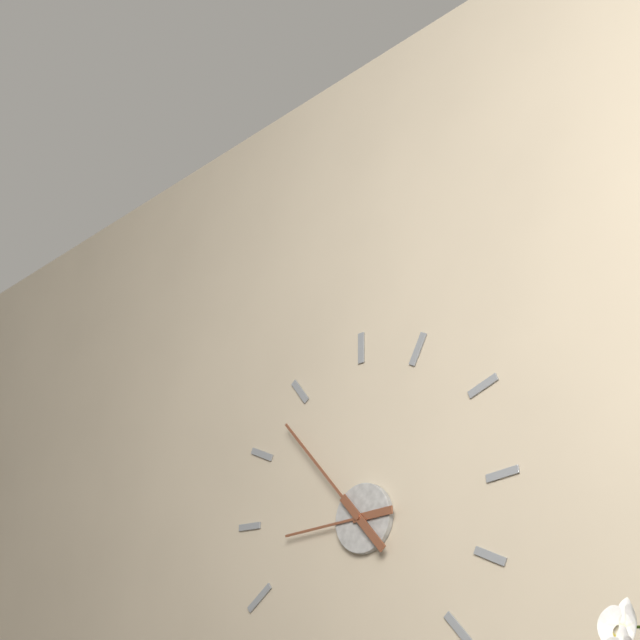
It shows {"hour": 8, "minute": 53}
